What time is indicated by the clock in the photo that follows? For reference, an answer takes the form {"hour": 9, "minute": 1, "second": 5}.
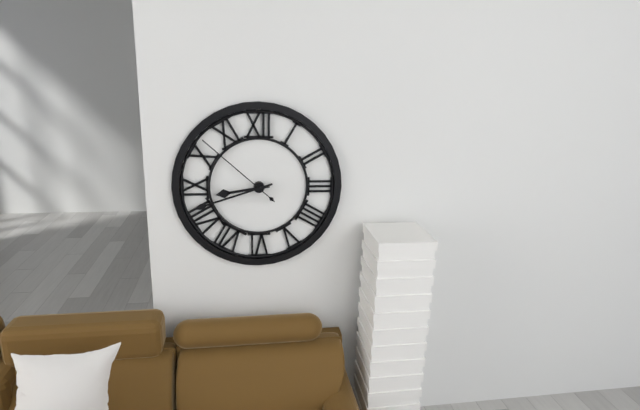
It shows {"hour": 8, "minute": 42, "second": 52}
